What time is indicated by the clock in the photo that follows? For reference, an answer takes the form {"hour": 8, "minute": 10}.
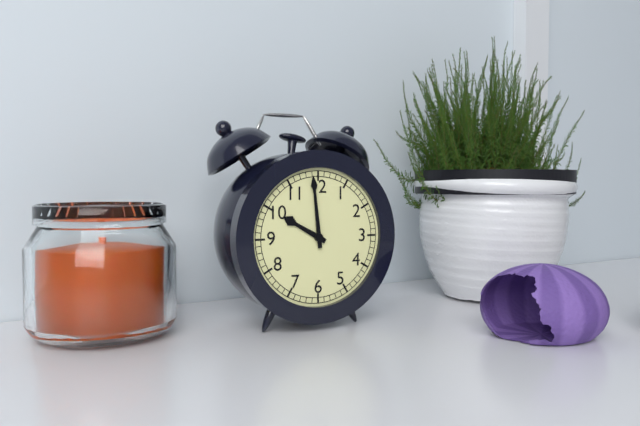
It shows {"hour": 9, "minute": 59}
